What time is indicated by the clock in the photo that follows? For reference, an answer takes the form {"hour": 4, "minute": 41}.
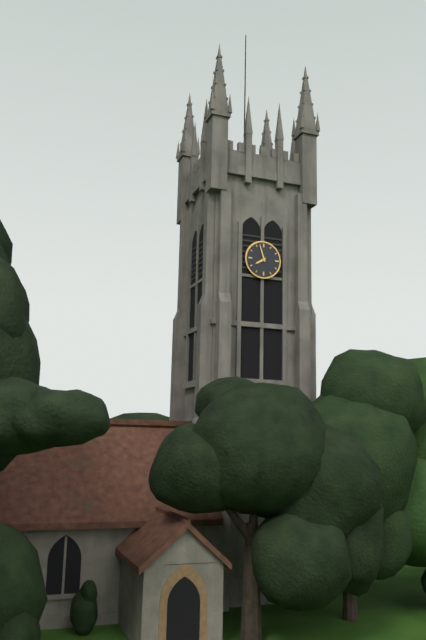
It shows {"hour": 7, "minute": 57}
